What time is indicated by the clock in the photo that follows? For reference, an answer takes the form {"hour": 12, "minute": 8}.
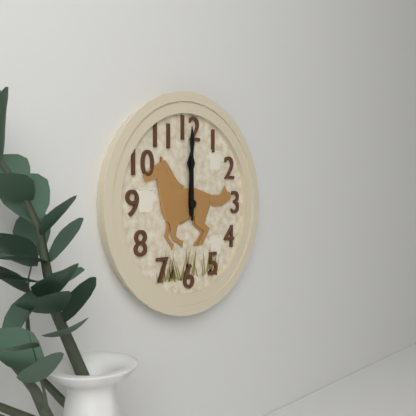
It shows {"hour": 12, "minute": 0}
